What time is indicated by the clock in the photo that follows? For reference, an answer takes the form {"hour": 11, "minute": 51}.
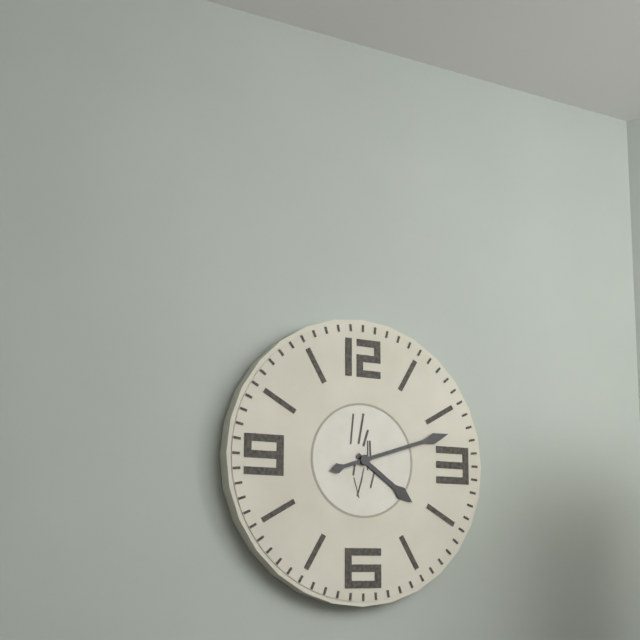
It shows {"hour": 4, "minute": 12}
